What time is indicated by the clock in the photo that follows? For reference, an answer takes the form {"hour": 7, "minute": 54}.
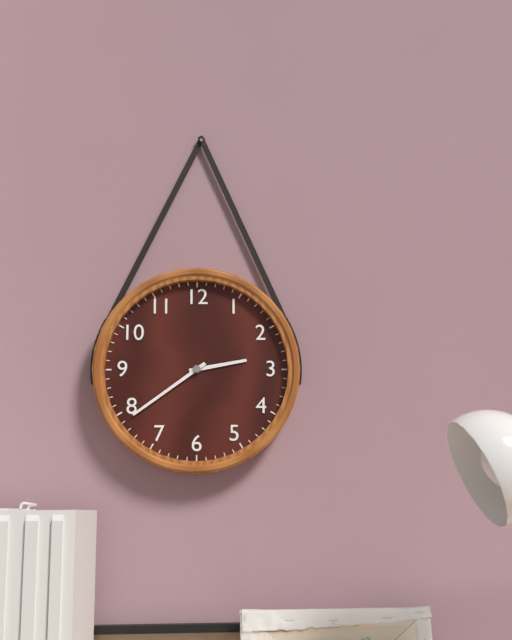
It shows {"hour": 2, "minute": 39}
